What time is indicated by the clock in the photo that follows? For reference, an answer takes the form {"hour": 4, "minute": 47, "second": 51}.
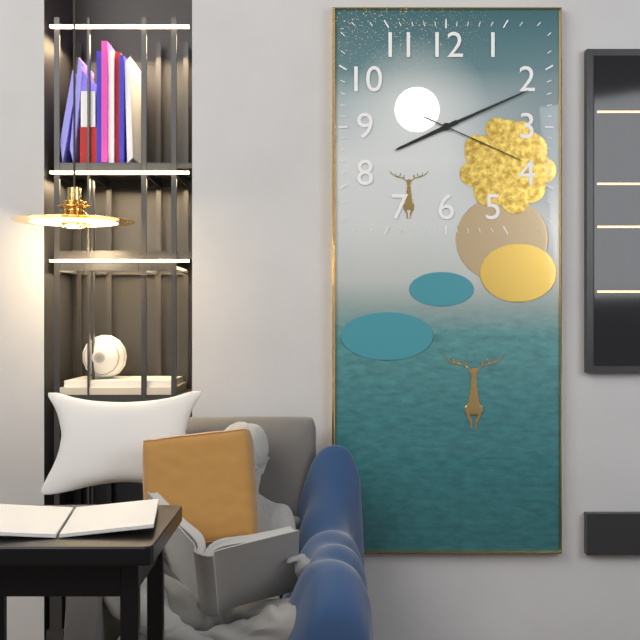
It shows {"hour": 8, "minute": 11, "second": 19}
